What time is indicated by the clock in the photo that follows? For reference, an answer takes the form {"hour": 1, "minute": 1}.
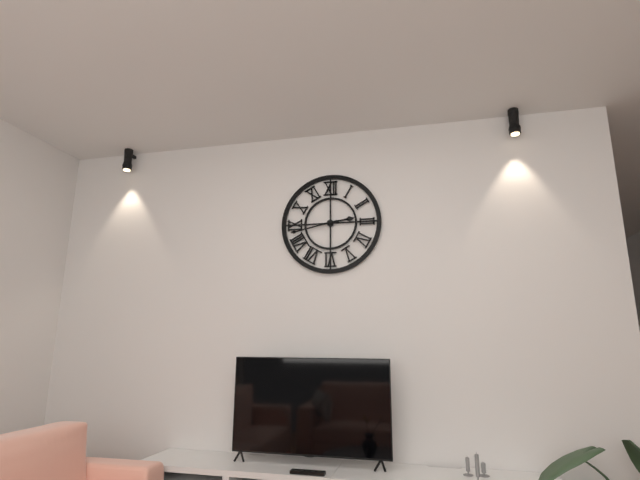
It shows {"hour": 2, "minute": 43}
